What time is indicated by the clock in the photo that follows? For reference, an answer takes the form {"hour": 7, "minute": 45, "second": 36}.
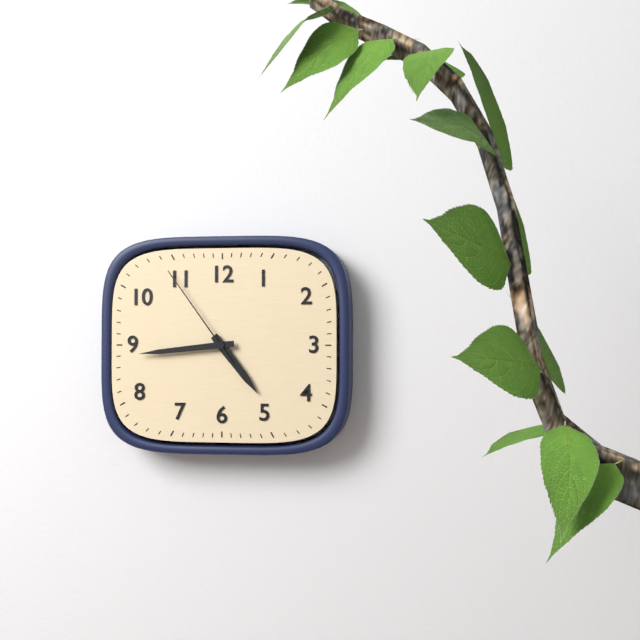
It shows {"hour": 4, "minute": 44, "second": 54}
